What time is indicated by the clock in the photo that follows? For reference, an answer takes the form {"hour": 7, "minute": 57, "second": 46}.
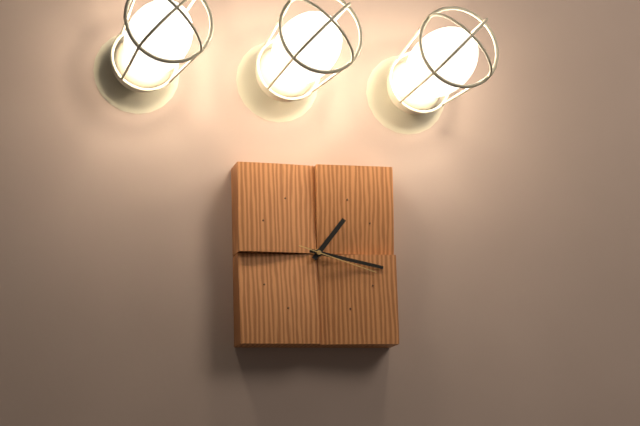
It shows {"hour": 1, "minute": 17, "second": 18}
